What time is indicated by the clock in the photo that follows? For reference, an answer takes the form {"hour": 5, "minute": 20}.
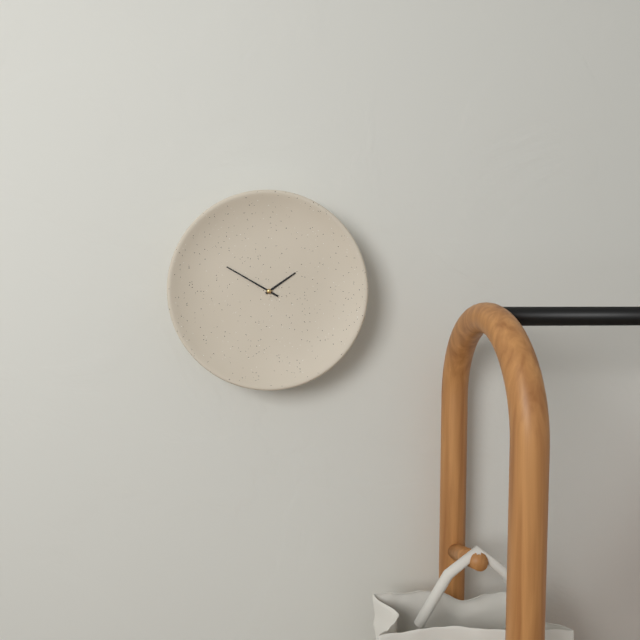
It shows {"hour": 1, "minute": 50}
